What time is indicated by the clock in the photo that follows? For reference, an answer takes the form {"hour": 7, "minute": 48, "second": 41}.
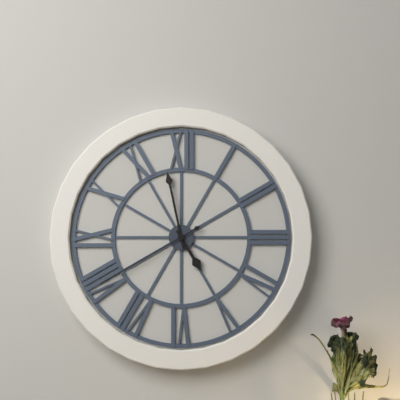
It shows {"hour": 4, "minute": 58, "second": 40}
